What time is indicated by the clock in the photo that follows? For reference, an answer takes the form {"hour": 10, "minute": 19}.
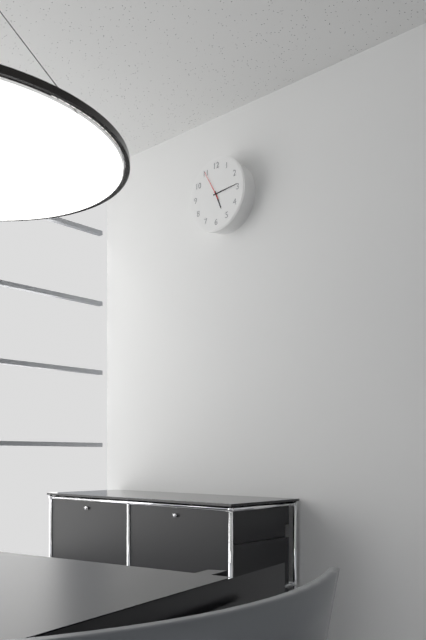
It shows {"hour": 5, "minute": 14}
